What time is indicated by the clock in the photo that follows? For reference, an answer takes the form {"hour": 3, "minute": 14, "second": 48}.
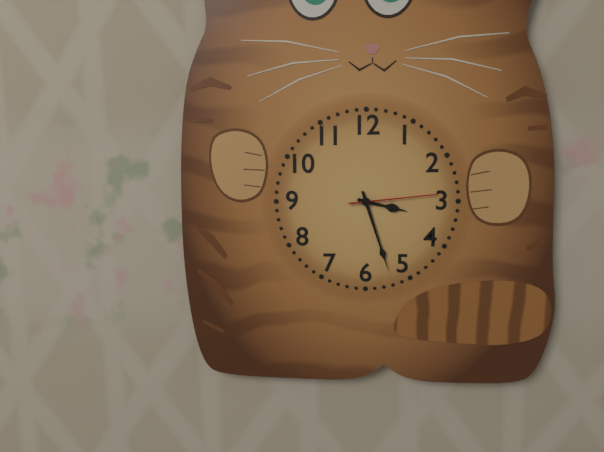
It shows {"hour": 3, "minute": 27, "second": 14}
